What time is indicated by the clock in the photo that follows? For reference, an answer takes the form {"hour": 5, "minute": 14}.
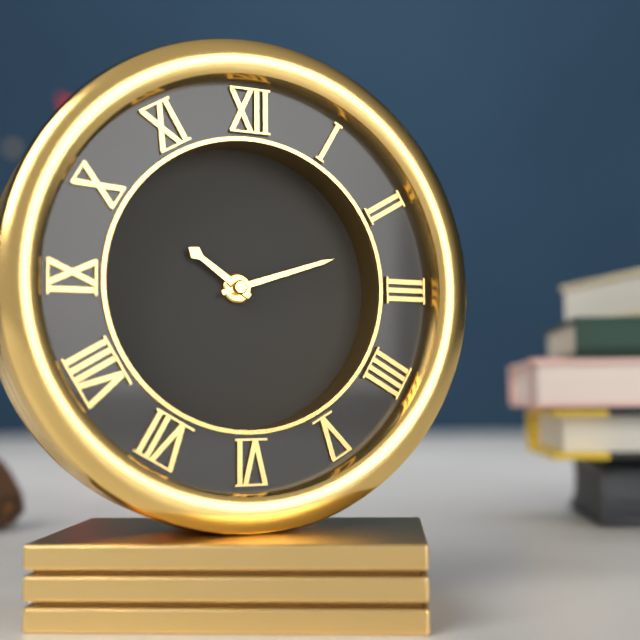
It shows {"hour": 10, "minute": 12}
